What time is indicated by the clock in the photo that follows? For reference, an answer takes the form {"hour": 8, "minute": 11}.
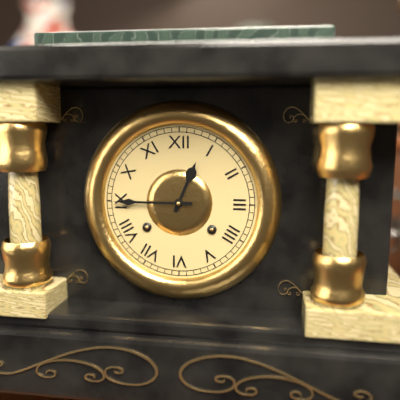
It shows {"hour": 12, "minute": 45}
